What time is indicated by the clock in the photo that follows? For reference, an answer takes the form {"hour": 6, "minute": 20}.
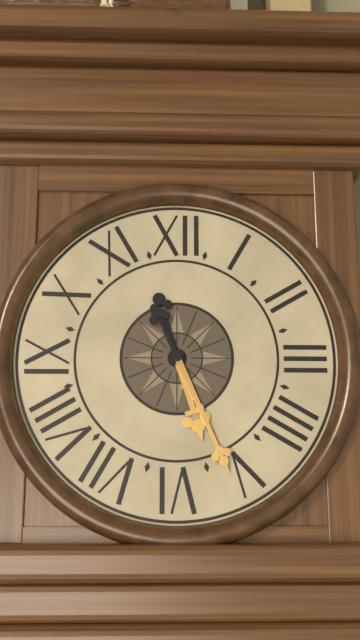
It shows {"hour": 5, "minute": 26}
